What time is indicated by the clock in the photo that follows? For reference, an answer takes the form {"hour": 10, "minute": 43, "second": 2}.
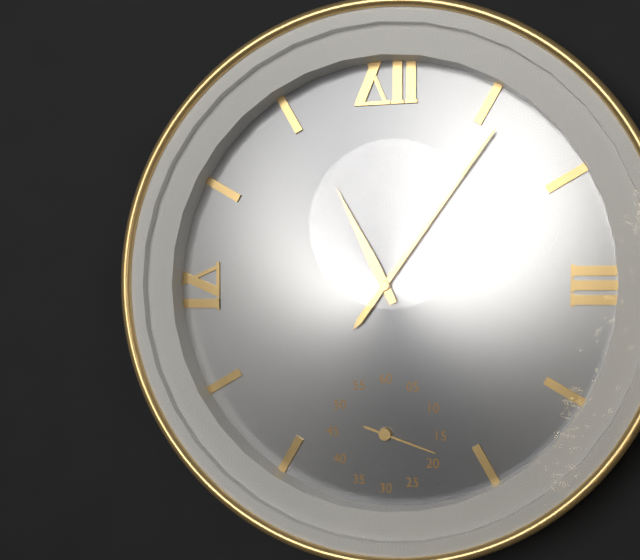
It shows {"hour": 11, "minute": 6, "second": 18}
